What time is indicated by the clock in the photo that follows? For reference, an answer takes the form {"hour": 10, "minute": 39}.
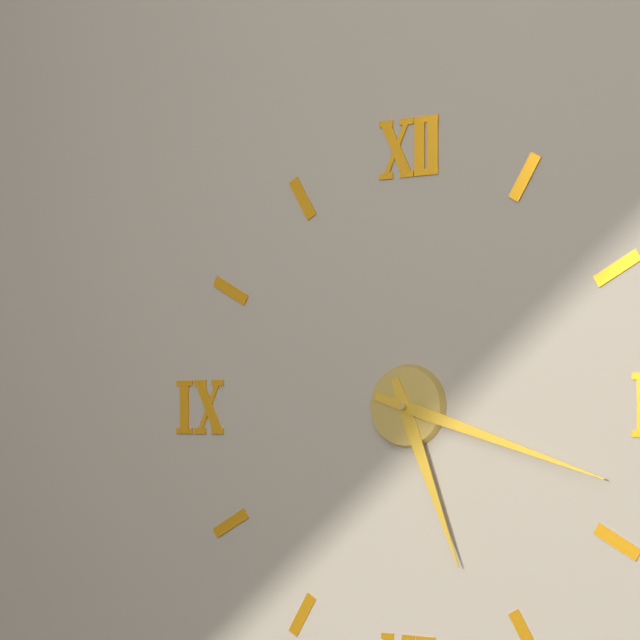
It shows {"hour": 5, "minute": 18}
